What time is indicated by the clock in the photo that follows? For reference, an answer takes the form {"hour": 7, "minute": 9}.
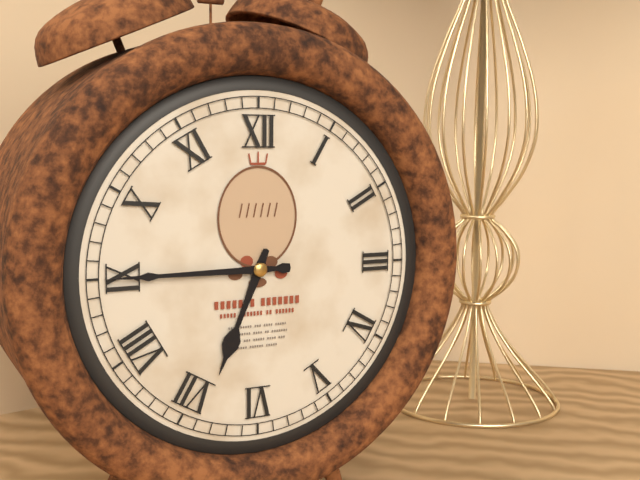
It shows {"hour": 6, "minute": 45}
